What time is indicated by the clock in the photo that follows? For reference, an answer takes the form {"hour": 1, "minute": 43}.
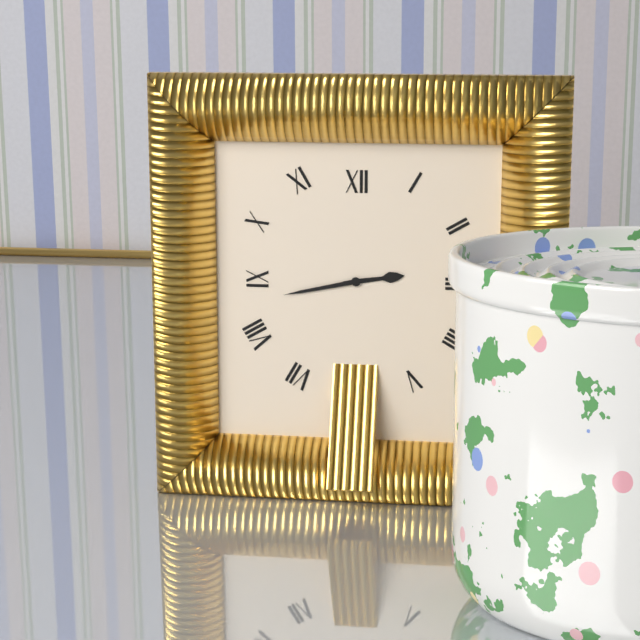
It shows {"hour": 2, "minute": 43}
